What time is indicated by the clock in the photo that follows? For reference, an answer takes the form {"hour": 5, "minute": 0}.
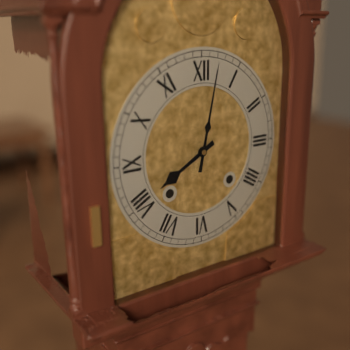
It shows {"hour": 8, "minute": 2}
